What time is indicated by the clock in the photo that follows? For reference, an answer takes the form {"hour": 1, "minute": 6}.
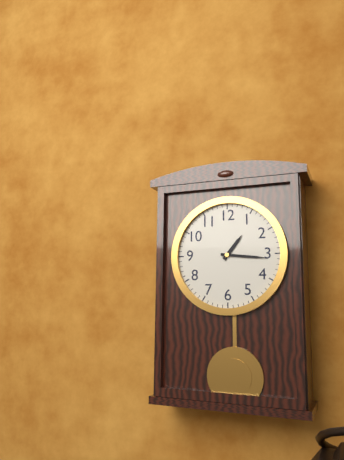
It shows {"hour": 1, "minute": 16}
